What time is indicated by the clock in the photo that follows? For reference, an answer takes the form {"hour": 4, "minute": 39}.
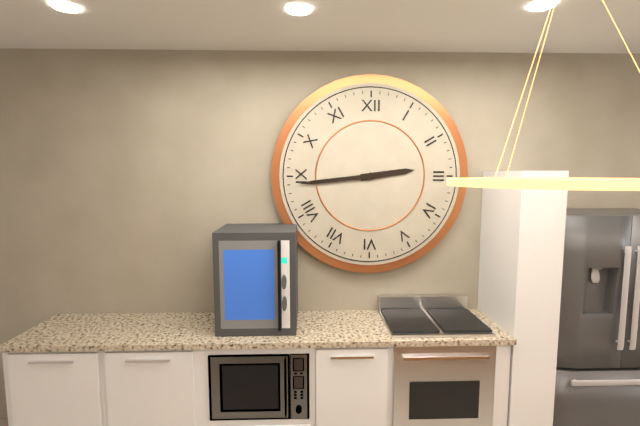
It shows {"hour": 2, "minute": 44}
